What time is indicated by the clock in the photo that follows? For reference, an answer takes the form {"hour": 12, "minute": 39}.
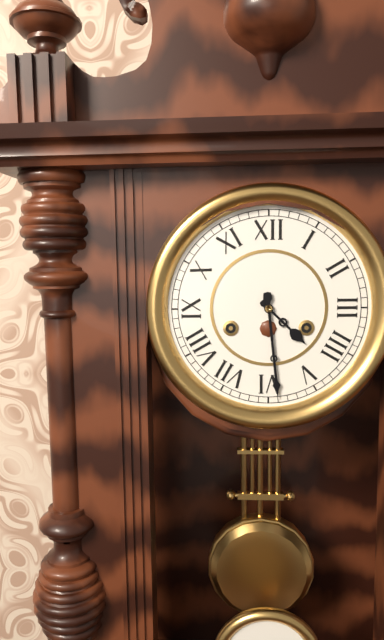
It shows {"hour": 4, "minute": 29}
